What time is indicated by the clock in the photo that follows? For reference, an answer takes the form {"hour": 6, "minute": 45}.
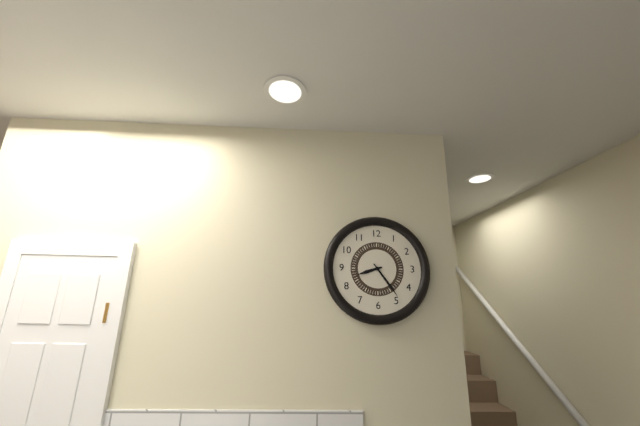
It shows {"hour": 8, "minute": 24}
